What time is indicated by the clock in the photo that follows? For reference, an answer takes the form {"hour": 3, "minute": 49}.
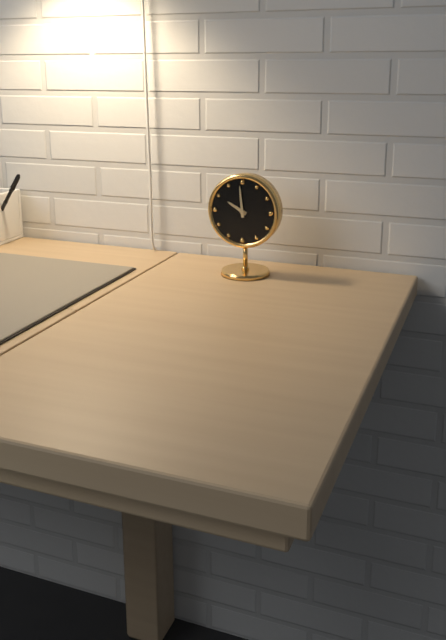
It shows {"hour": 9, "minute": 59}
